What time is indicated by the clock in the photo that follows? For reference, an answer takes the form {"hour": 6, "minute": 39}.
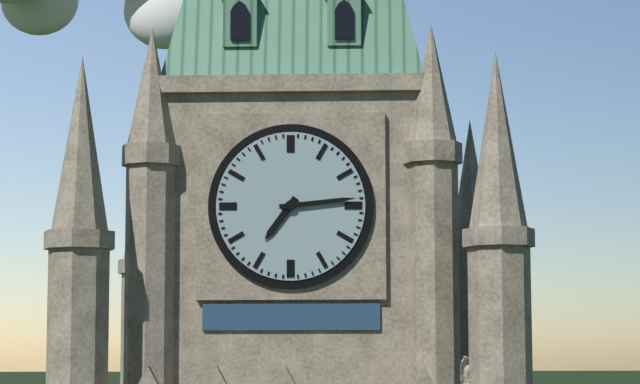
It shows {"hour": 7, "minute": 14}
